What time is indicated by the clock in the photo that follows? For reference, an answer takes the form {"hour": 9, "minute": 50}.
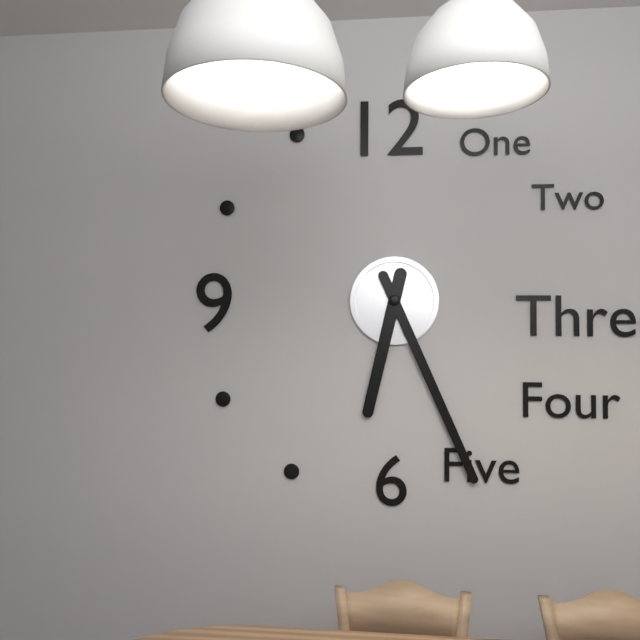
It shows {"hour": 6, "minute": 26}
